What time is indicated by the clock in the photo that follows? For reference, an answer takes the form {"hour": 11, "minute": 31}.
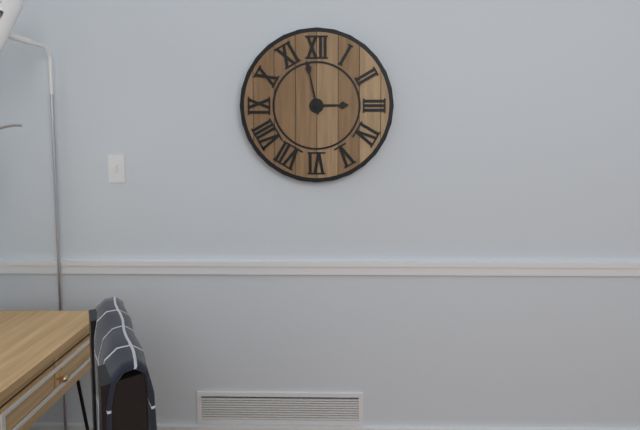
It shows {"hour": 2, "minute": 58}
